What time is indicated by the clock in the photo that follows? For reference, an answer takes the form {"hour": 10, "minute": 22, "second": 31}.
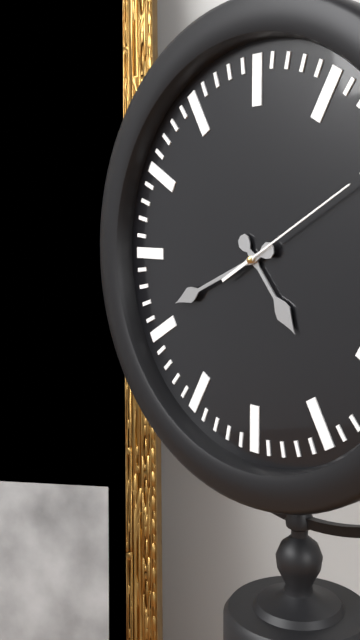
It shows {"hour": 4, "minute": 41, "second": 10}
